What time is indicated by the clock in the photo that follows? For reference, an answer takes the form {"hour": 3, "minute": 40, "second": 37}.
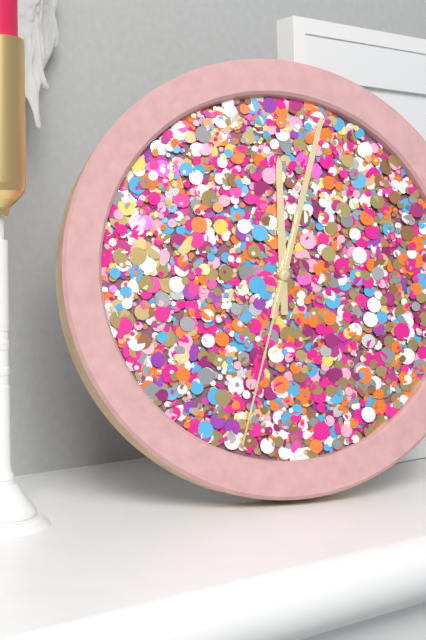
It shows {"hour": 12, "minute": 3, "second": 33}
